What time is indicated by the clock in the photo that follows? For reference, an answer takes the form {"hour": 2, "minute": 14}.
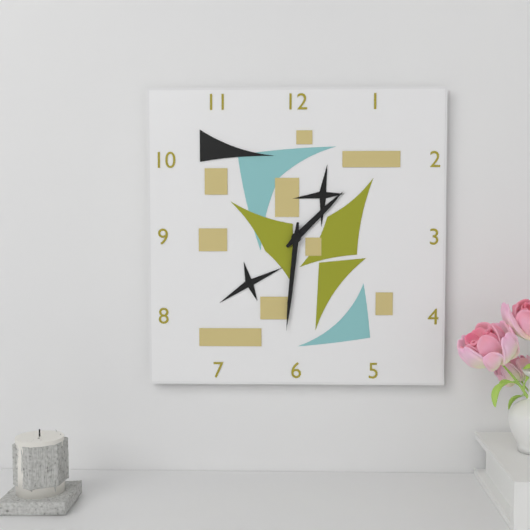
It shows {"hour": 1, "minute": 31}
